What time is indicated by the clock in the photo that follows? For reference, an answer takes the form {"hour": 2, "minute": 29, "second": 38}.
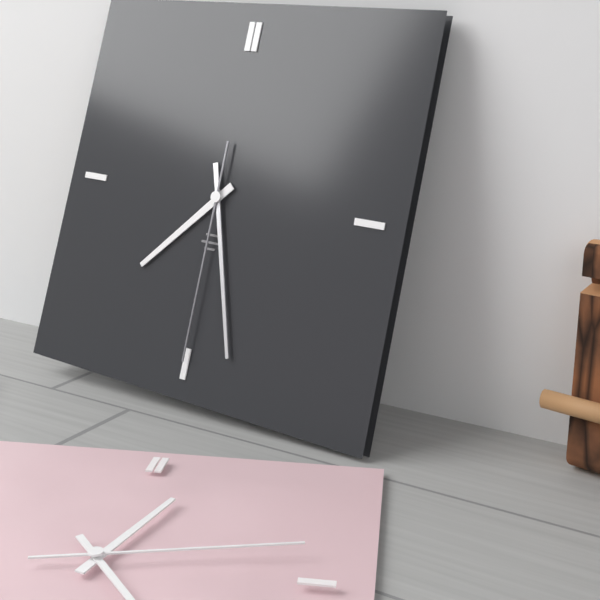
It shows {"hour": 7, "minute": 27, "second": 30}
